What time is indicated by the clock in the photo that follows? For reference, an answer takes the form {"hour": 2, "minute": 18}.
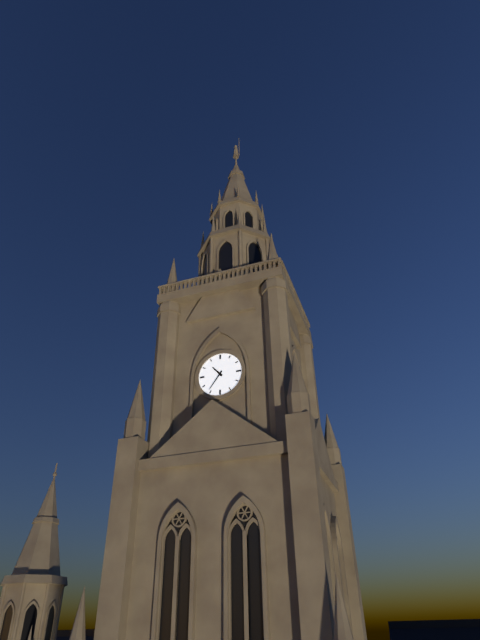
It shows {"hour": 10, "minute": 36}
